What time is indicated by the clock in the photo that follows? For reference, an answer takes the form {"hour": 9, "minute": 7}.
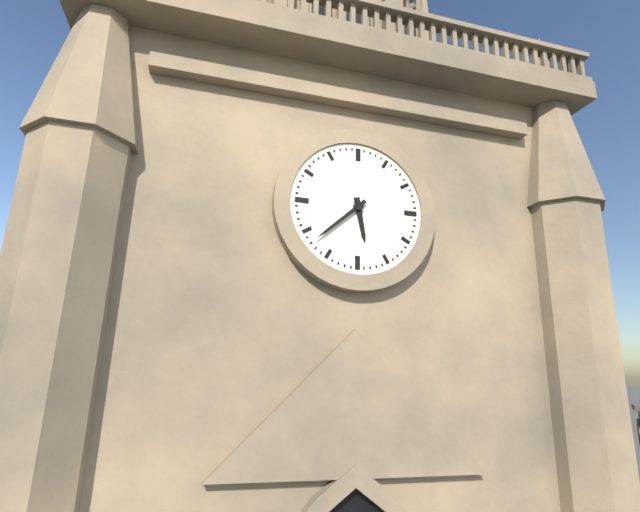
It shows {"hour": 5, "minute": 38}
